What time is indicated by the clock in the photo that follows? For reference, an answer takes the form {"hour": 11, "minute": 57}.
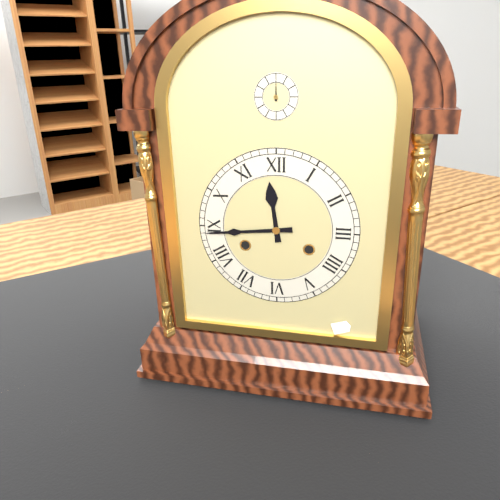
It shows {"hour": 11, "minute": 44}
